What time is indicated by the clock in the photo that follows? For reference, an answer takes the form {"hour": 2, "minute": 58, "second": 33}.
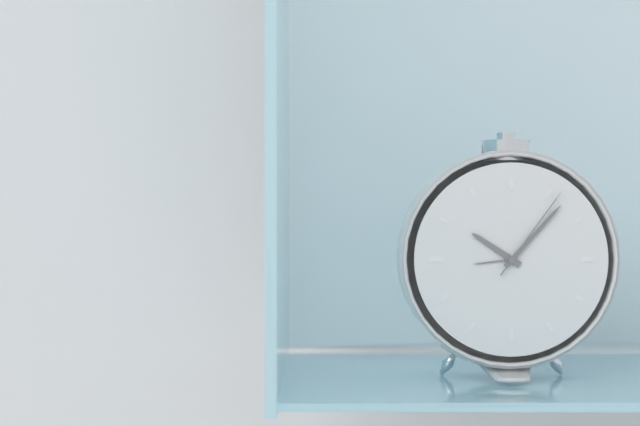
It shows {"hour": 10, "minute": 7, "second": 6}
